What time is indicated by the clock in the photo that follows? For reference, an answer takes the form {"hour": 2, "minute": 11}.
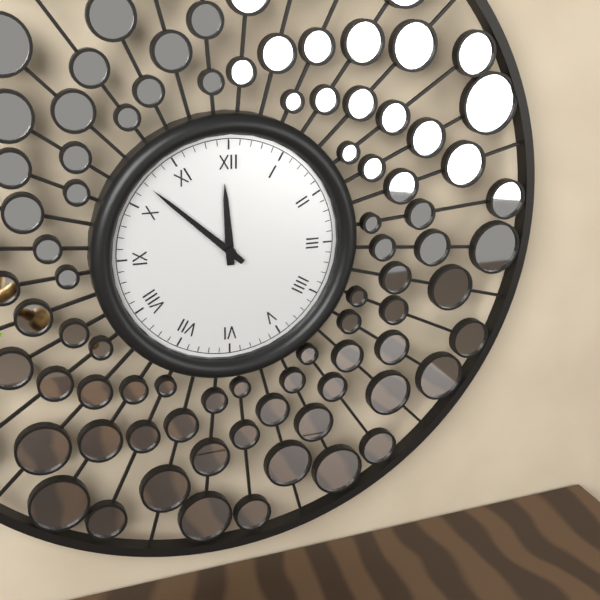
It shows {"hour": 11, "minute": 52}
